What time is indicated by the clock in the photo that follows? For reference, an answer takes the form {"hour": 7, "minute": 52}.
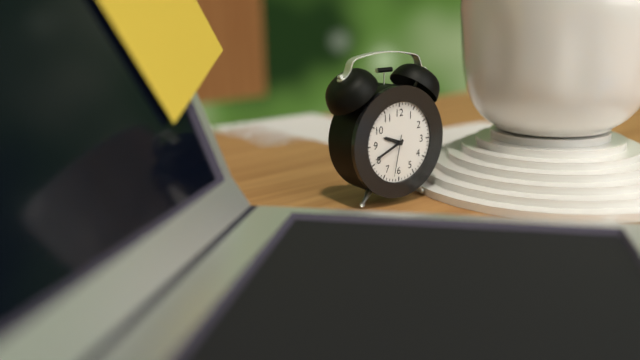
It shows {"hour": 9, "minute": 41}
